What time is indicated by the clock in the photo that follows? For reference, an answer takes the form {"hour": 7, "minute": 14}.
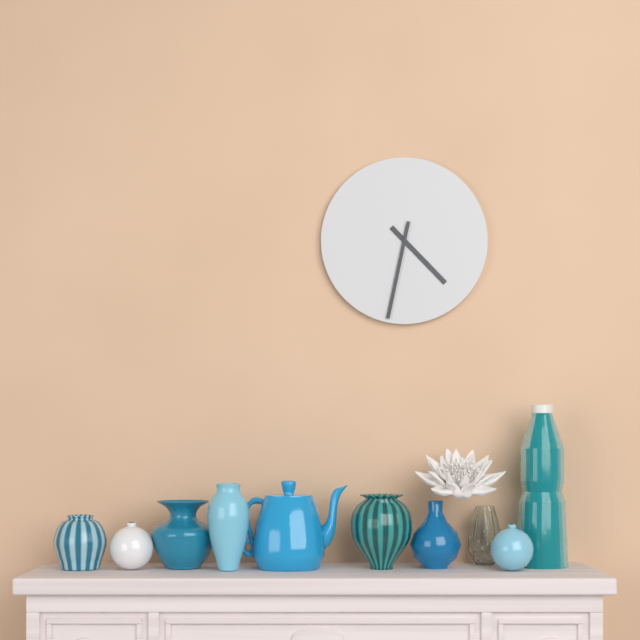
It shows {"hour": 4, "minute": 32}
